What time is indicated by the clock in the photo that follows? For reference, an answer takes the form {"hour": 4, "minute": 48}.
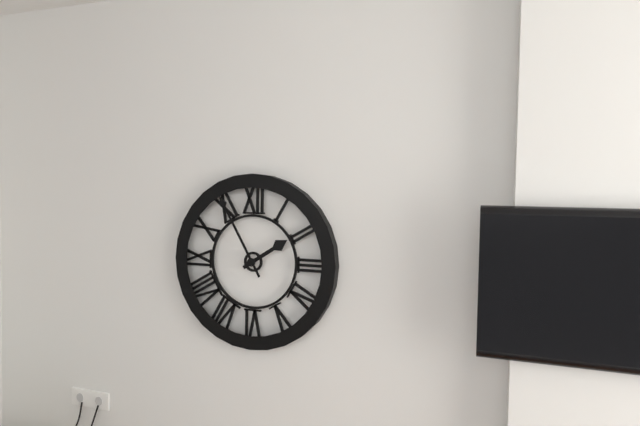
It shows {"hour": 1, "minute": 55}
